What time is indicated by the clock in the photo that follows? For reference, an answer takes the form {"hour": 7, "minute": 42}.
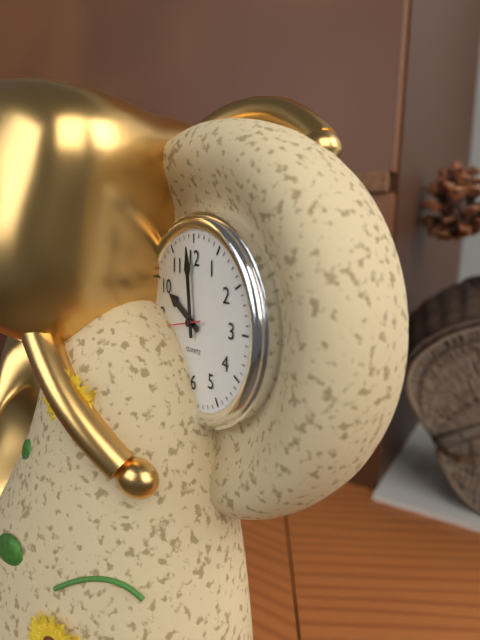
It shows {"hour": 9, "minute": 59}
